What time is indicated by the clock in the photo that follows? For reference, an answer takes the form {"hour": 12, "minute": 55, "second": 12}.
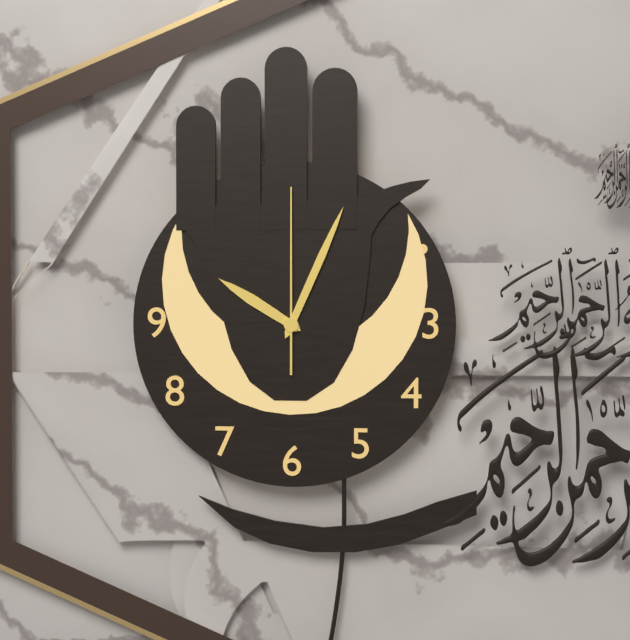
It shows {"hour": 10, "minute": 4, "second": 0}
